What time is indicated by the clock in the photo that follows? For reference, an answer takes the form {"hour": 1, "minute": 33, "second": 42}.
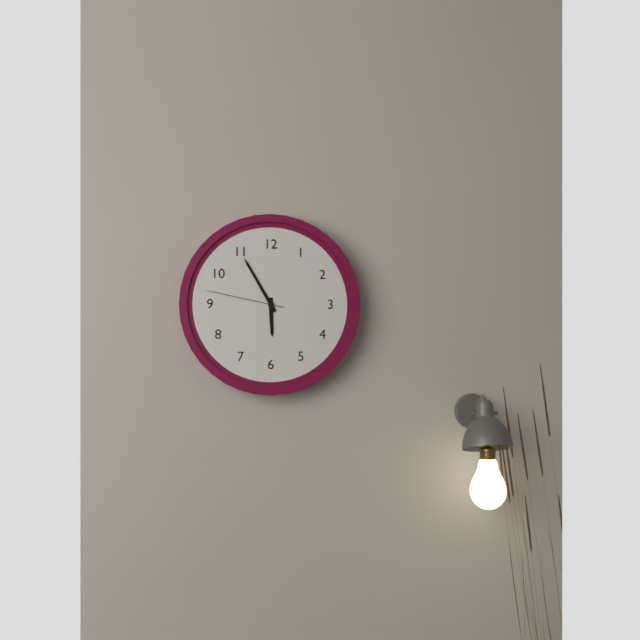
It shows {"hour": 5, "minute": 55, "second": 47}
